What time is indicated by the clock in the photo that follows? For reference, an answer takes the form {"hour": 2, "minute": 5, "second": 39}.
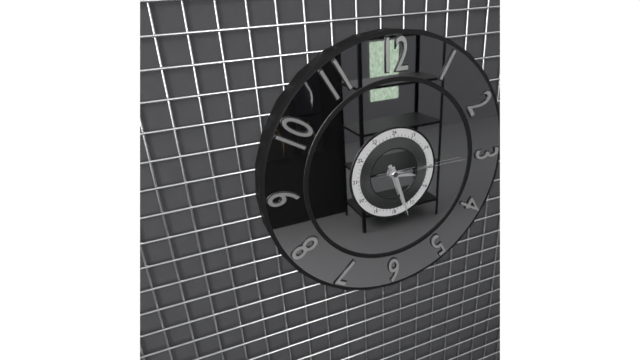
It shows {"hour": 3, "minute": 27, "second": 15}
